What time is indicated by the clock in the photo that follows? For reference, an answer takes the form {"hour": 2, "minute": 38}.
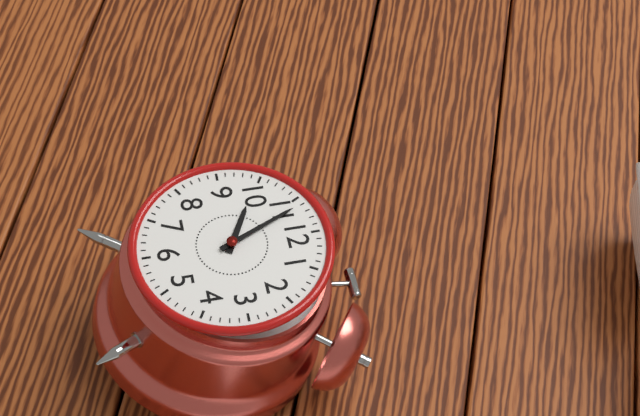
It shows {"hour": 9, "minute": 56}
